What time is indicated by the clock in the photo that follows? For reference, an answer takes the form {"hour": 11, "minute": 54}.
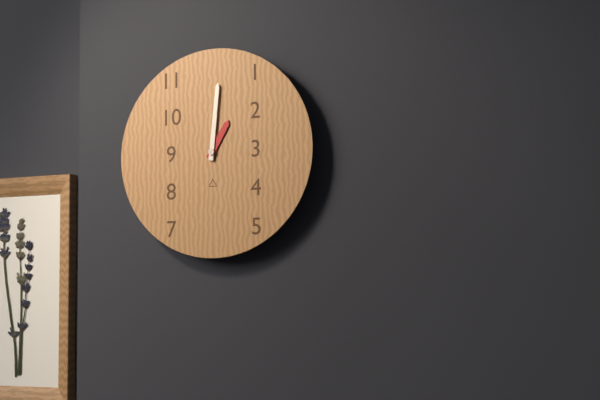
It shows {"hour": 1, "minute": 1}
